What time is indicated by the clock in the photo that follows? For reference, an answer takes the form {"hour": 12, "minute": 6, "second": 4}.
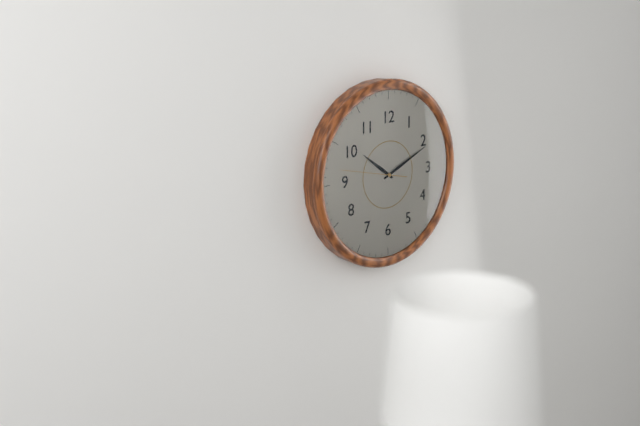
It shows {"hour": 10, "minute": 11, "second": 47}
